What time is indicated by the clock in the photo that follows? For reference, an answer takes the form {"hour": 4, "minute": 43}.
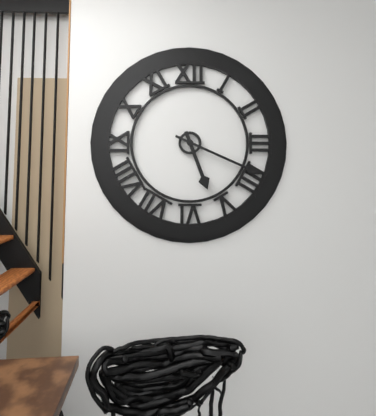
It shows {"hour": 5, "minute": 19}
